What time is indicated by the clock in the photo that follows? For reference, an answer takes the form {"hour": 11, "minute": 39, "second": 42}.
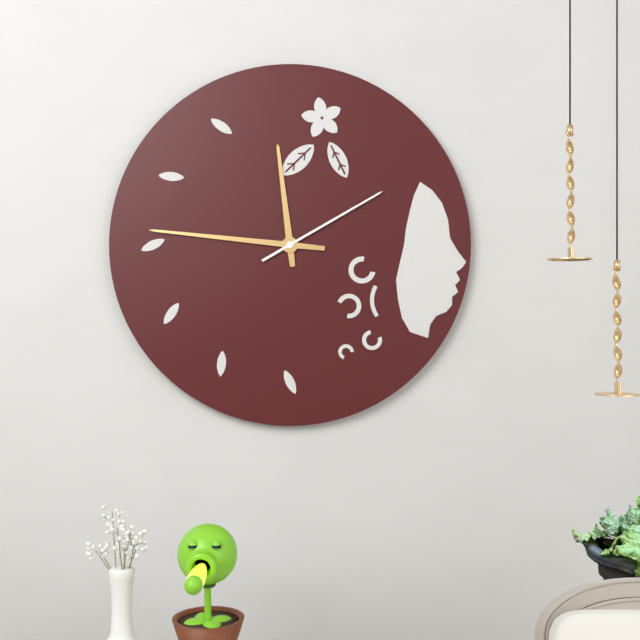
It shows {"hour": 11, "minute": 46, "second": 10}
